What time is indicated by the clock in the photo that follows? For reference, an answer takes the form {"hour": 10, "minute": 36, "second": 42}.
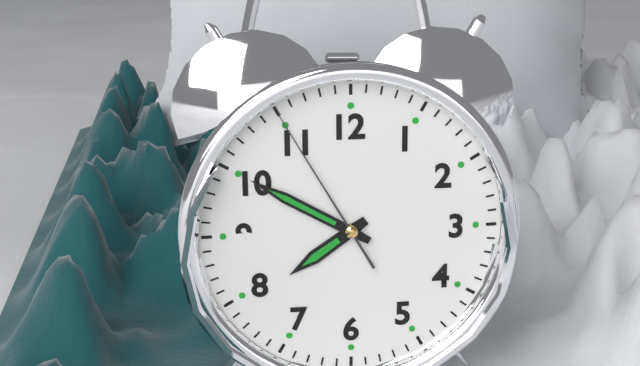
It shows {"hour": 7, "minute": 50, "second": 55}
